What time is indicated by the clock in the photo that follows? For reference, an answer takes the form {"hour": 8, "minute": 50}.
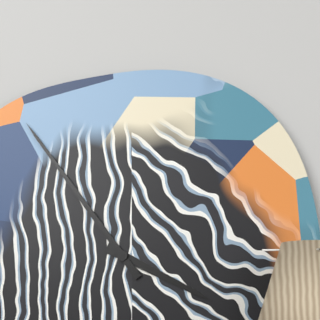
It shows {"hour": 3, "minute": 54}
